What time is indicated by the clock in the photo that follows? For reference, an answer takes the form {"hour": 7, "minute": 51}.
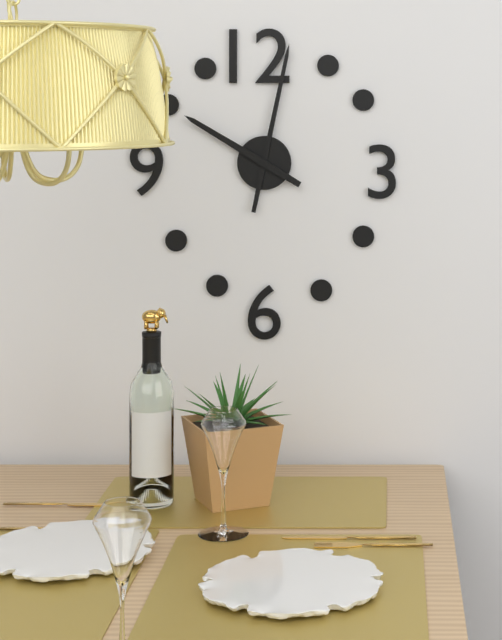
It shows {"hour": 10, "minute": 2}
